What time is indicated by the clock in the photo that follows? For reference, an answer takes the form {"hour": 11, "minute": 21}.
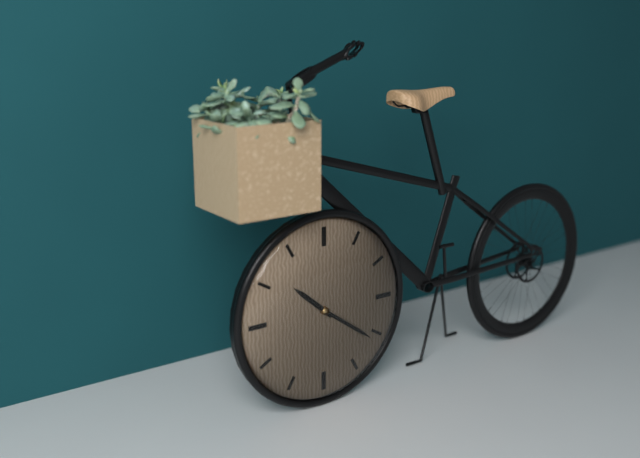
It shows {"hour": 10, "minute": 21}
